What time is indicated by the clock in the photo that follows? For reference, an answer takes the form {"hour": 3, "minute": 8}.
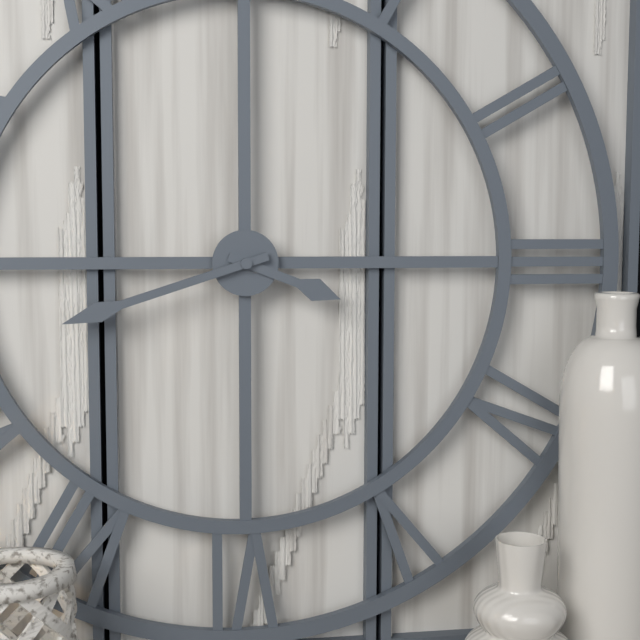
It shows {"hour": 3, "minute": 42}
